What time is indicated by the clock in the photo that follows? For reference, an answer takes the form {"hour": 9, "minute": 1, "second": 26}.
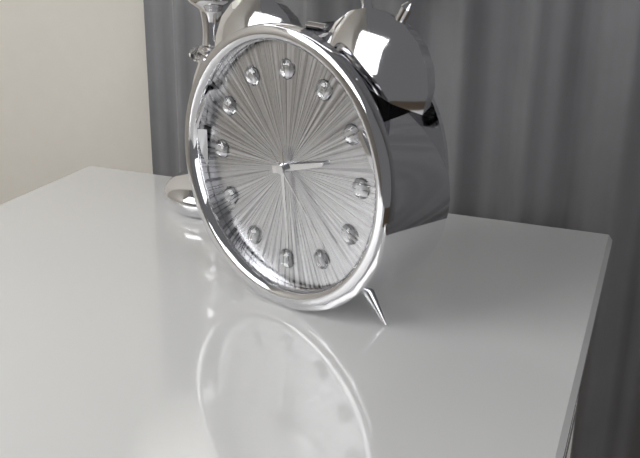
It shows {"hour": 2, "minute": 29, "second": 23}
